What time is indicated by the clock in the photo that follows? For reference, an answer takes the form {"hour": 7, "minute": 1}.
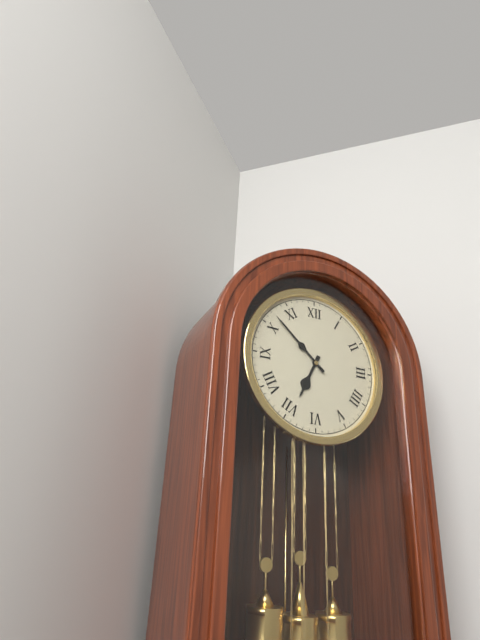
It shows {"hour": 6, "minute": 52}
